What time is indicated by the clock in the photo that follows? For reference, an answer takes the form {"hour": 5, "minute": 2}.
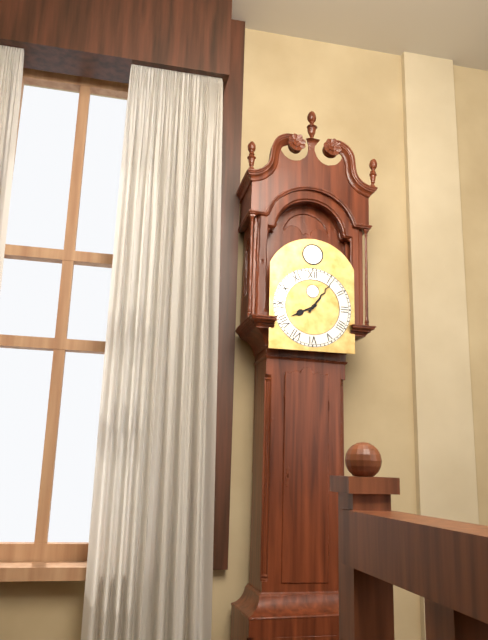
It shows {"hour": 8, "minute": 6}
